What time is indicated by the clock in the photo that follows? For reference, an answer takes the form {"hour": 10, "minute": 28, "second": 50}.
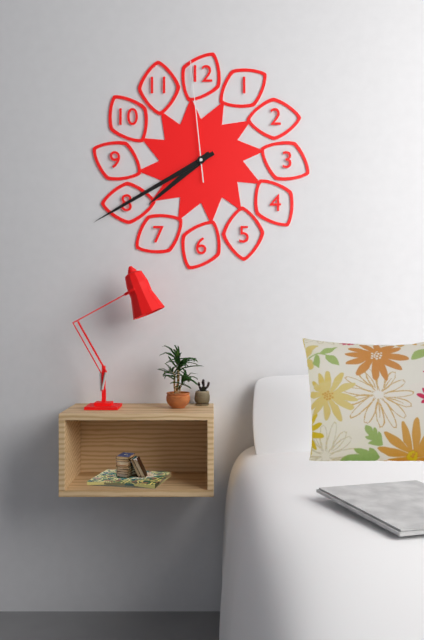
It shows {"hour": 7, "minute": 40, "second": 59}
